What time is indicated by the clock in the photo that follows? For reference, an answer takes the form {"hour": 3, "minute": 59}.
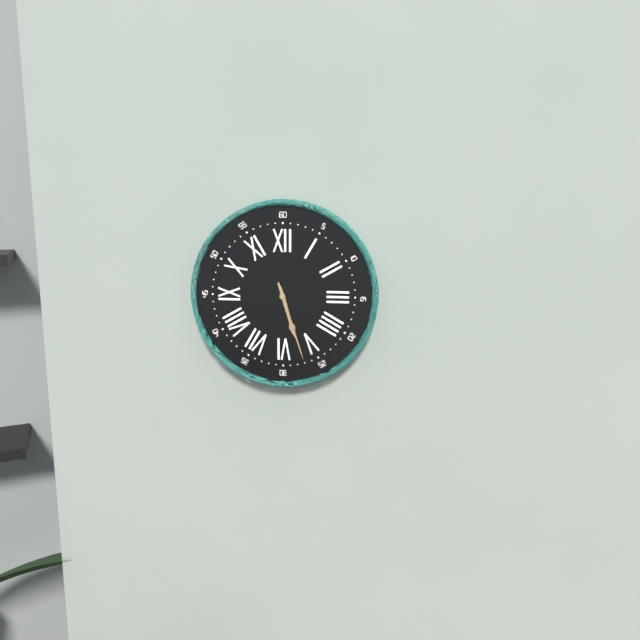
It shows {"hour": 5, "minute": 27}
